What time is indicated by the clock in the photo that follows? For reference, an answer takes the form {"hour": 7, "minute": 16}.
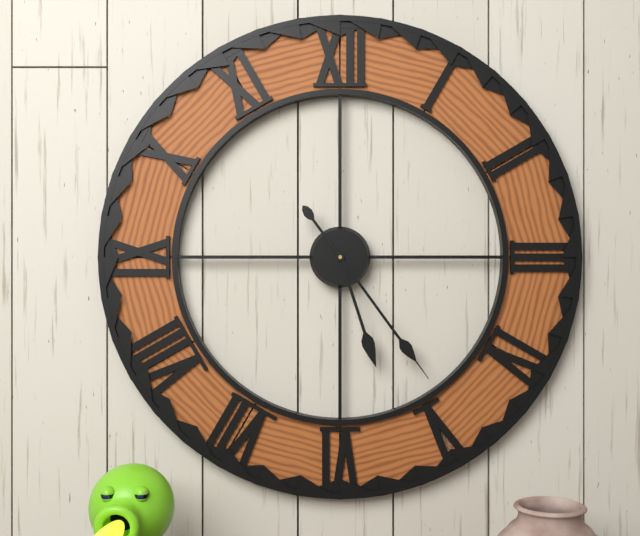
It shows {"hour": 5, "minute": 24}
